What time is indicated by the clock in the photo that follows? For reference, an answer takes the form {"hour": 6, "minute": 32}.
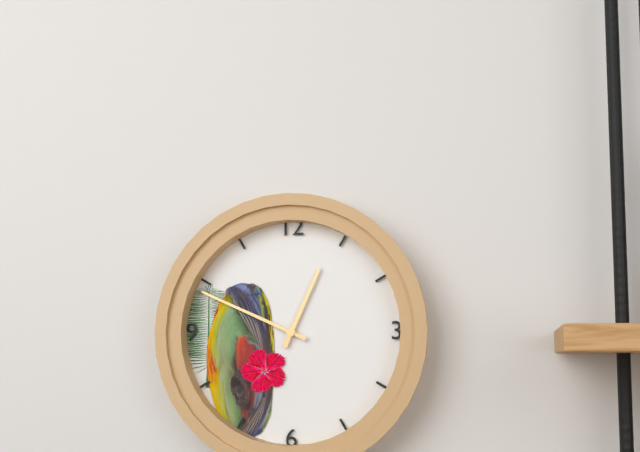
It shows {"hour": 12, "minute": 49}
